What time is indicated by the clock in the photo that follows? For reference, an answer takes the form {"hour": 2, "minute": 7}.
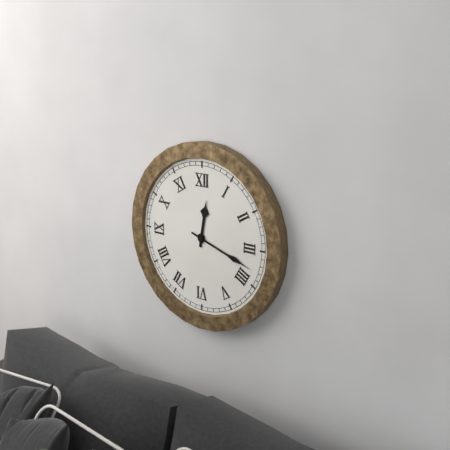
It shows {"hour": 12, "minute": 18}
